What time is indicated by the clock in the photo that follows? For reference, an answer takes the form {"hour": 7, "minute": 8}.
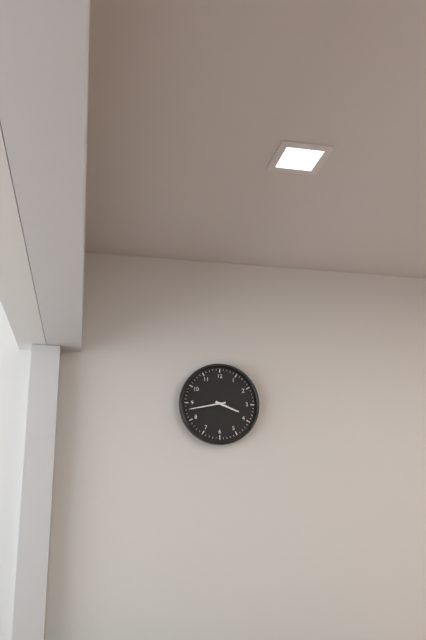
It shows {"hour": 3, "minute": 43}
